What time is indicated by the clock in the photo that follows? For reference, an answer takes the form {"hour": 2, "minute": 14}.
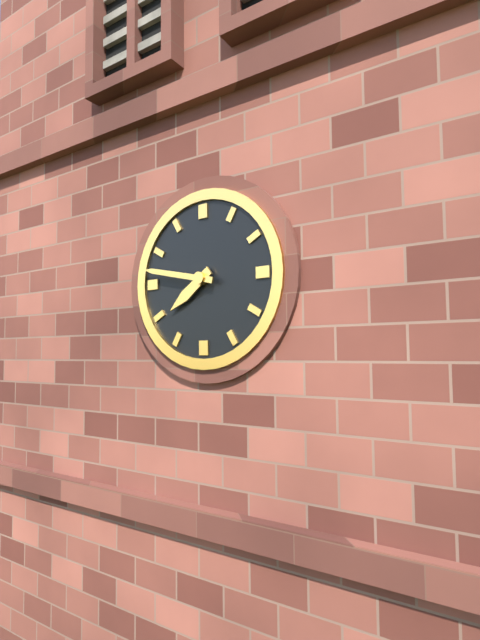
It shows {"hour": 7, "minute": 47}
